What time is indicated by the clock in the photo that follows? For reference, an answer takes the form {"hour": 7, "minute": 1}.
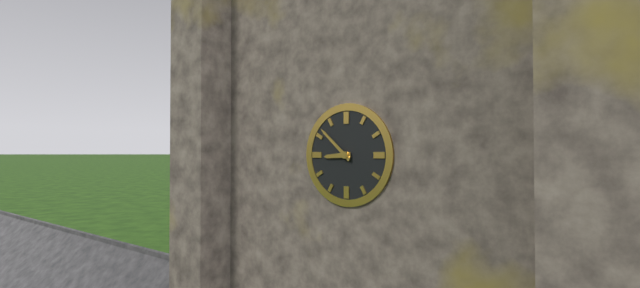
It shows {"hour": 8, "minute": 52}
